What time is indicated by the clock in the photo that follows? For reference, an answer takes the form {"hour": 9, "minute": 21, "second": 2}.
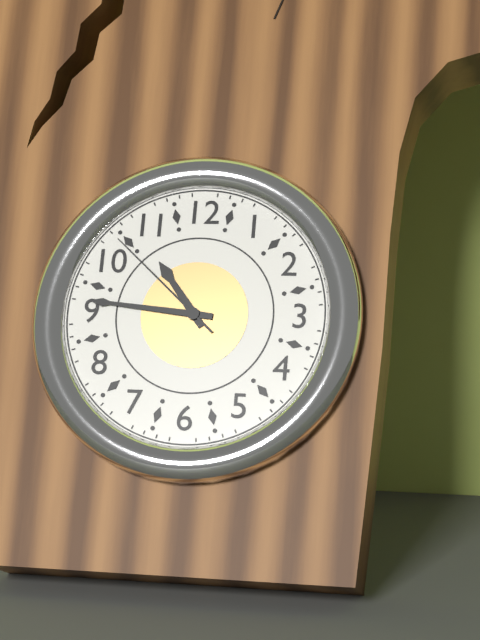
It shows {"hour": 10, "minute": 46, "second": 52}
